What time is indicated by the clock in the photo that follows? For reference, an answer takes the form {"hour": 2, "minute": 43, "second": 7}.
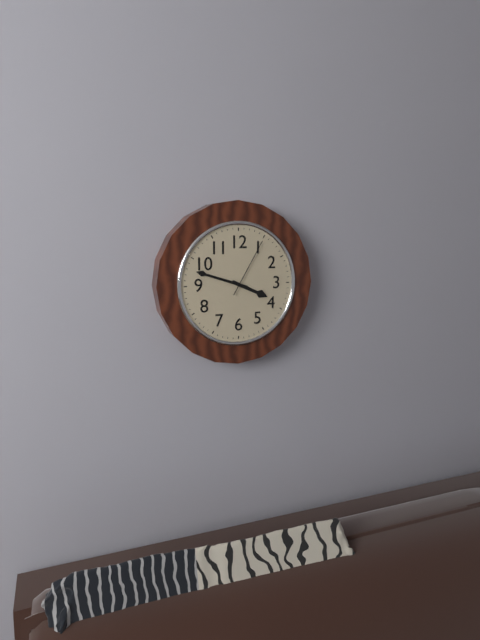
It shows {"hour": 3, "minute": 48, "second": 5}
